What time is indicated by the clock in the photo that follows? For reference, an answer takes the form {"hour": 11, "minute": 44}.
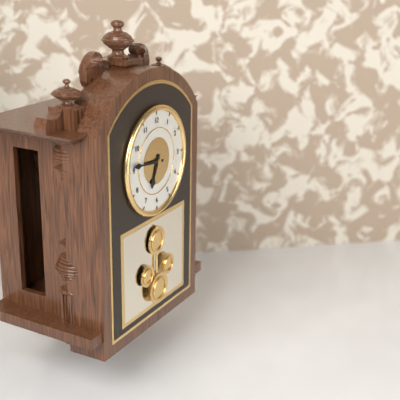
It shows {"hour": 6, "minute": 46}
